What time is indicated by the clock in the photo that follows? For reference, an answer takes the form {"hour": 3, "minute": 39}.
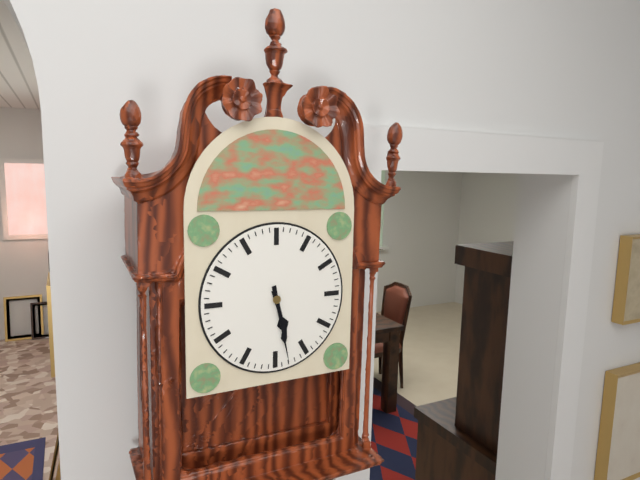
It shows {"hour": 5, "minute": 28}
